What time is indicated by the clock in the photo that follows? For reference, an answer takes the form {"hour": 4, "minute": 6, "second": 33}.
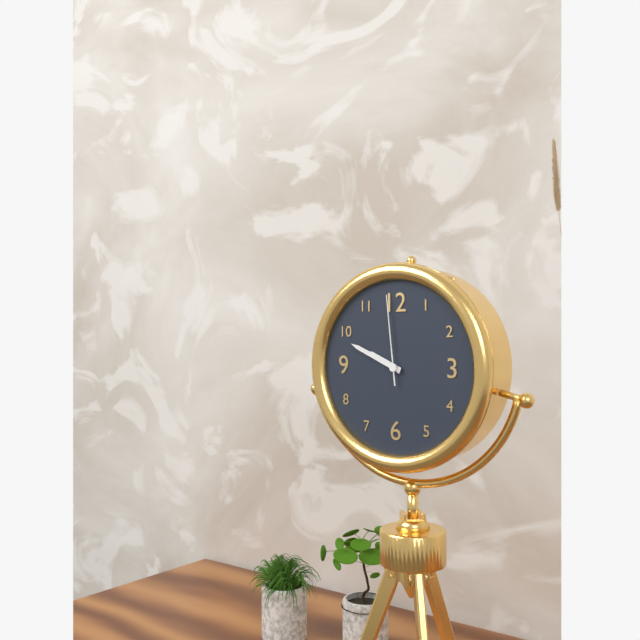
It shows {"hour": 9, "minute": 49, "second": 59}
